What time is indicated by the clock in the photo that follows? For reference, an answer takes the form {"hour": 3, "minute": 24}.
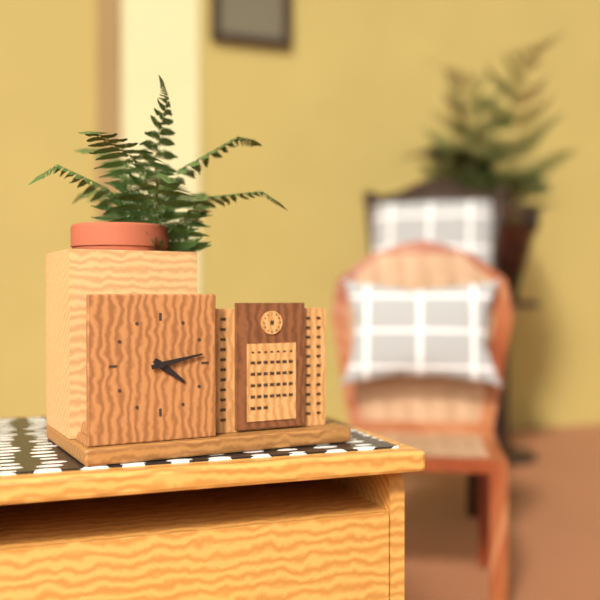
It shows {"hour": 4, "minute": 13}
